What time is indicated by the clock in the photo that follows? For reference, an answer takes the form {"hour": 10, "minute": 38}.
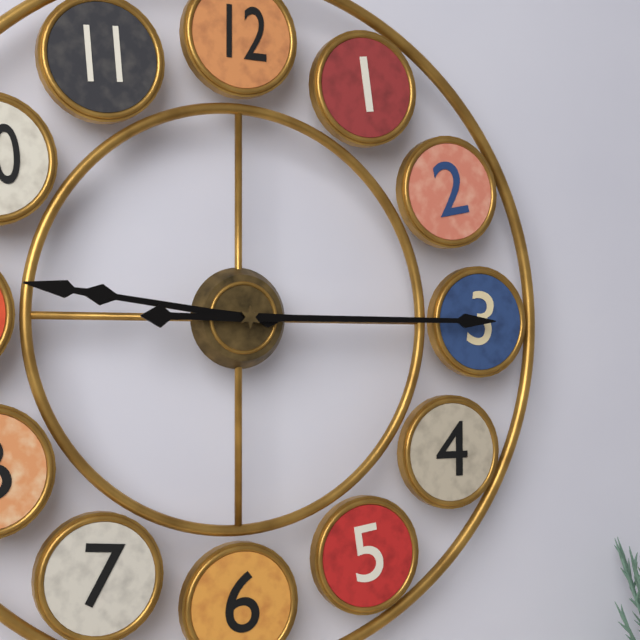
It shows {"hour": 9, "minute": 15}
